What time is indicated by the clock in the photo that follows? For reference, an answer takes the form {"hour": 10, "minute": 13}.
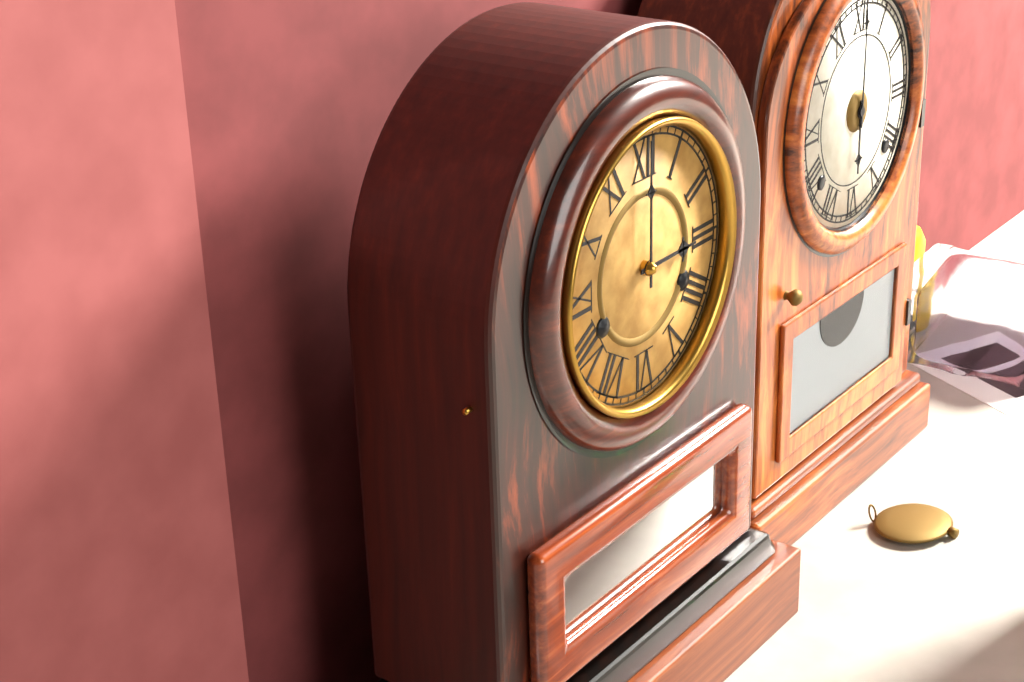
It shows {"hour": 3, "minute": 0}
